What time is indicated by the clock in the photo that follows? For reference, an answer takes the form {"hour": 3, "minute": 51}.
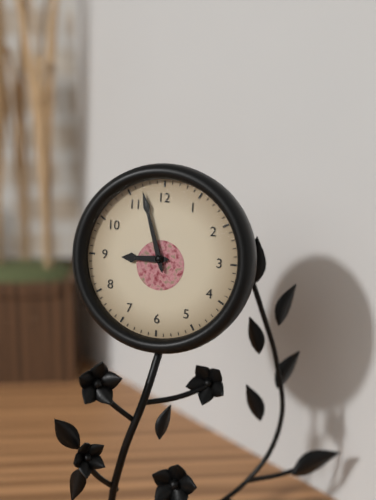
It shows {"hour": 8, "minute": 57}
